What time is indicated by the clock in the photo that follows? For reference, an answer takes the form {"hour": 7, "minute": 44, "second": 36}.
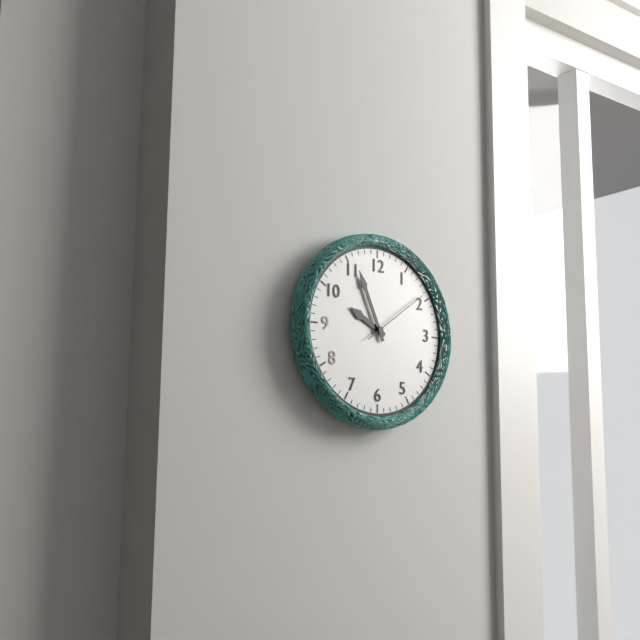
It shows {"hour": 9, "minute": 56, "second": 9}
